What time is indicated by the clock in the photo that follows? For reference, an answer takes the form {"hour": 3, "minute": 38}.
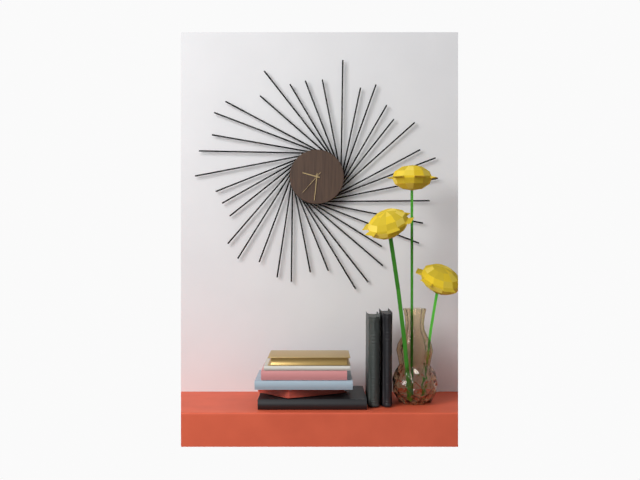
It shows {"hour": 9, "minute": 31}
